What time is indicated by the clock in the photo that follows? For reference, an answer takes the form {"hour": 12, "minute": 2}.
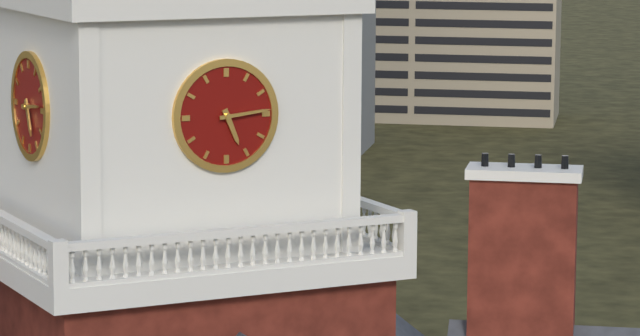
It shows {"hour": 5, "minute": 14}
